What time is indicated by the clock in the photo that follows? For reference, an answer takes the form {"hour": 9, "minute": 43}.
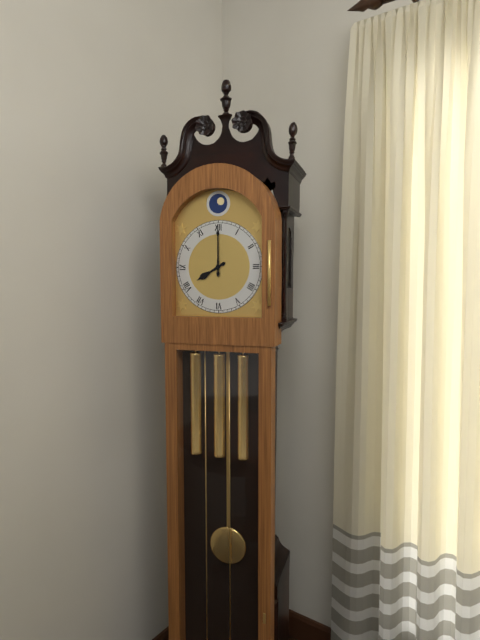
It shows {"hour": 8, "minute": 0}
